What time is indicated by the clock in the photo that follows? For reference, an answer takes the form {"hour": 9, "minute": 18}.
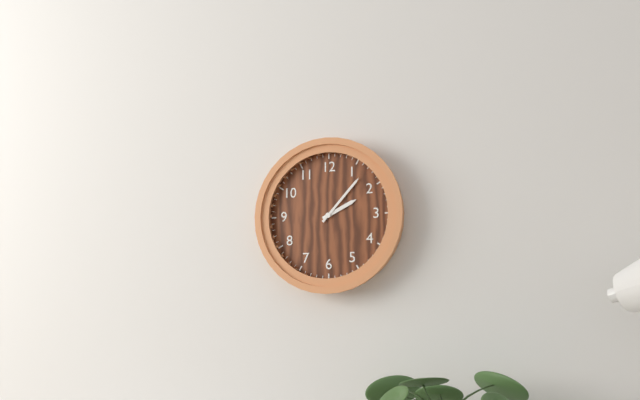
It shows {"hour": 2, "minute": 7}
